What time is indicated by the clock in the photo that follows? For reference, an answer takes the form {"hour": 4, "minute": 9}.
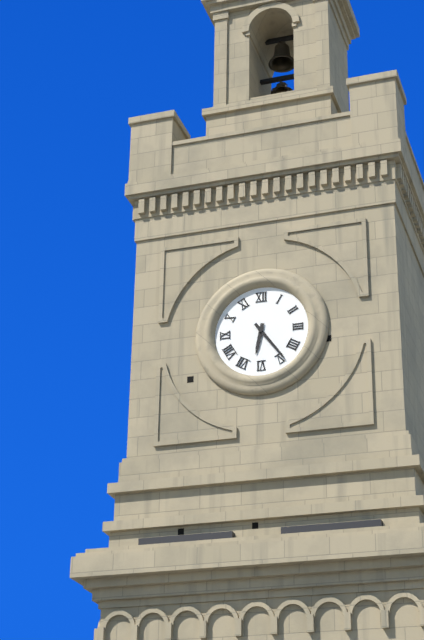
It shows {"hour": 6, "minute": 24}
